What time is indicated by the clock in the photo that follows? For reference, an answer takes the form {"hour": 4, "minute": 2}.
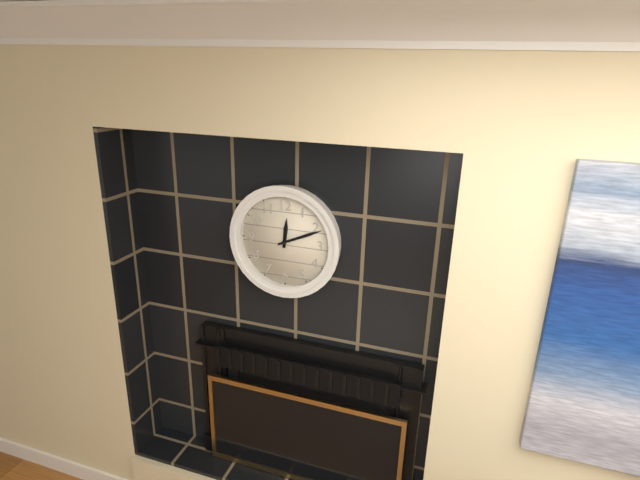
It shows {"hour": 12, "minute": 11}
